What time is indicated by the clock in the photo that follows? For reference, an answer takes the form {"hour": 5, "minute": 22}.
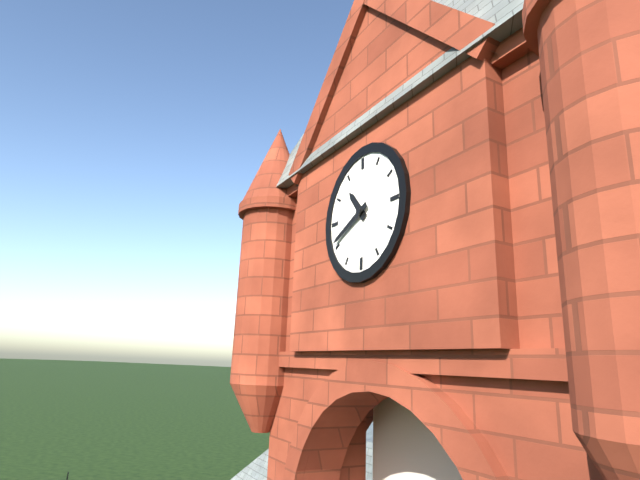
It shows {"hour": 10, "minute": 41}
